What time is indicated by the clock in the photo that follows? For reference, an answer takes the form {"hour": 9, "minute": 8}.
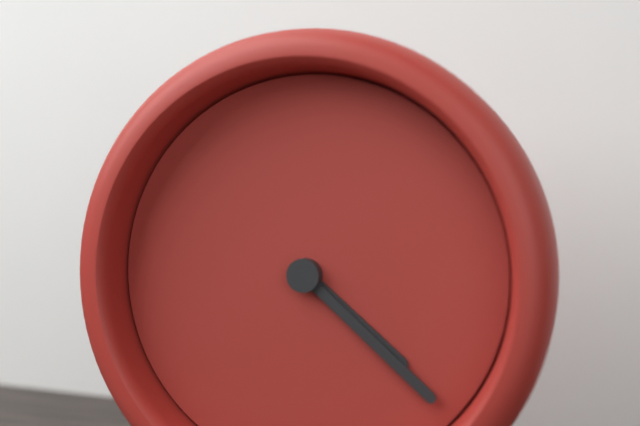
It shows {"hour": 4, "minute": 22}
